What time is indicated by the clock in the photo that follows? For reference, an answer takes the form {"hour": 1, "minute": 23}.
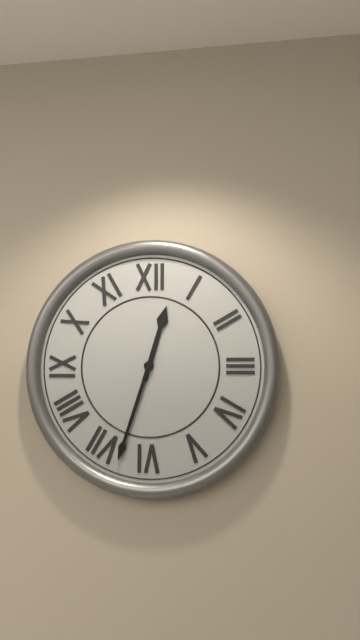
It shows {"hour": 12, "minute": 33}
